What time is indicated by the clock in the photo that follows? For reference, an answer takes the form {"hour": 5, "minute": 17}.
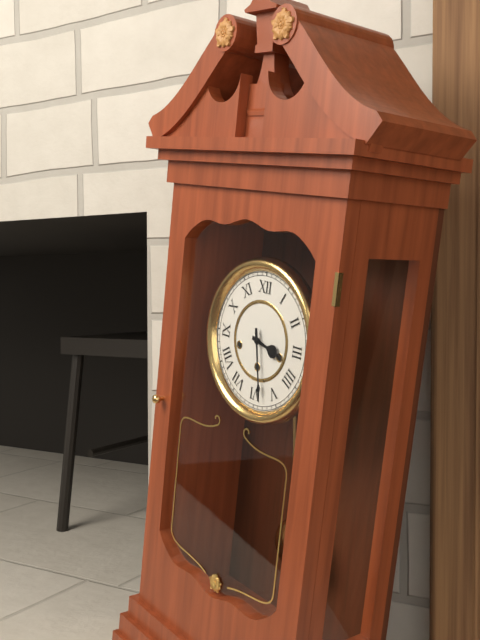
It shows {"hour": 3, "minute": 28}
